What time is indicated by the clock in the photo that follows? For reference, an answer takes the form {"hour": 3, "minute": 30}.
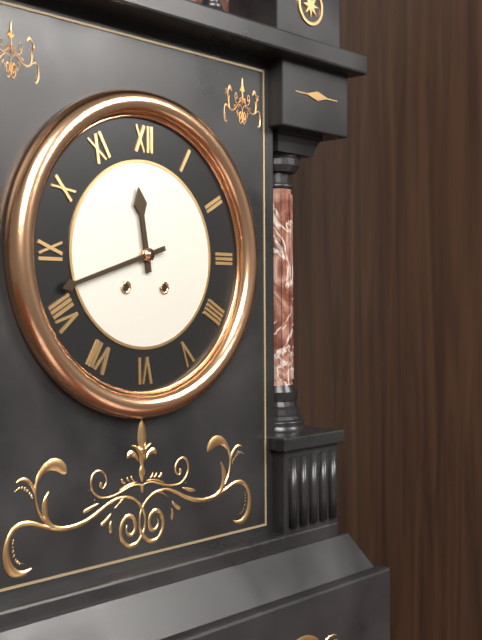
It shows {"hour": 11, "minute": 42}
